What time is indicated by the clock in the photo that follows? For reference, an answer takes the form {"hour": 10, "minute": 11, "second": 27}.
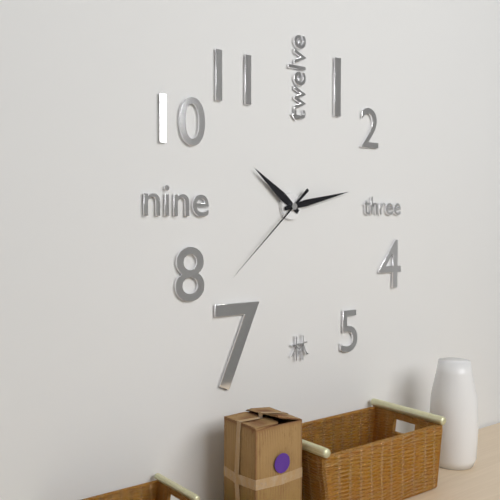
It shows {"hour": 10, "minute": 13, "second": 38}
